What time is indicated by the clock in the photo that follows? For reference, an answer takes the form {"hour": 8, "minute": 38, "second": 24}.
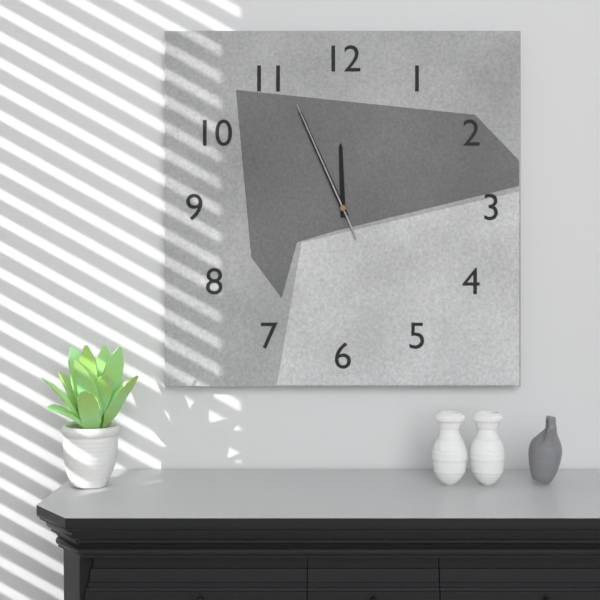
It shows {"hour": 11, "minute": 56, "second": 56}
